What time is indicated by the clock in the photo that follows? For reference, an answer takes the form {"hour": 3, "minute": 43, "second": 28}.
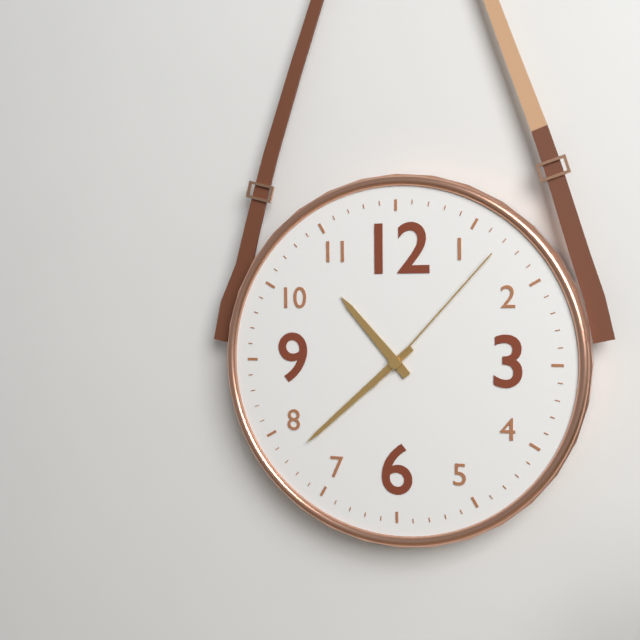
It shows {"hour": 10, "minute": 38, "second": 7}
